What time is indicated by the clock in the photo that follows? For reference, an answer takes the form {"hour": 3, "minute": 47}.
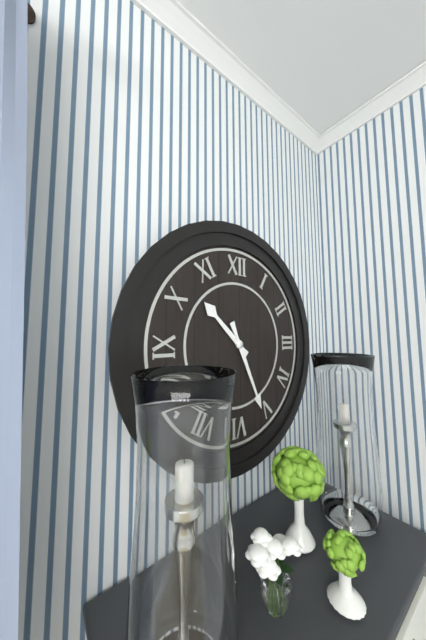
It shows {"hour": 10, "minute": 26}
